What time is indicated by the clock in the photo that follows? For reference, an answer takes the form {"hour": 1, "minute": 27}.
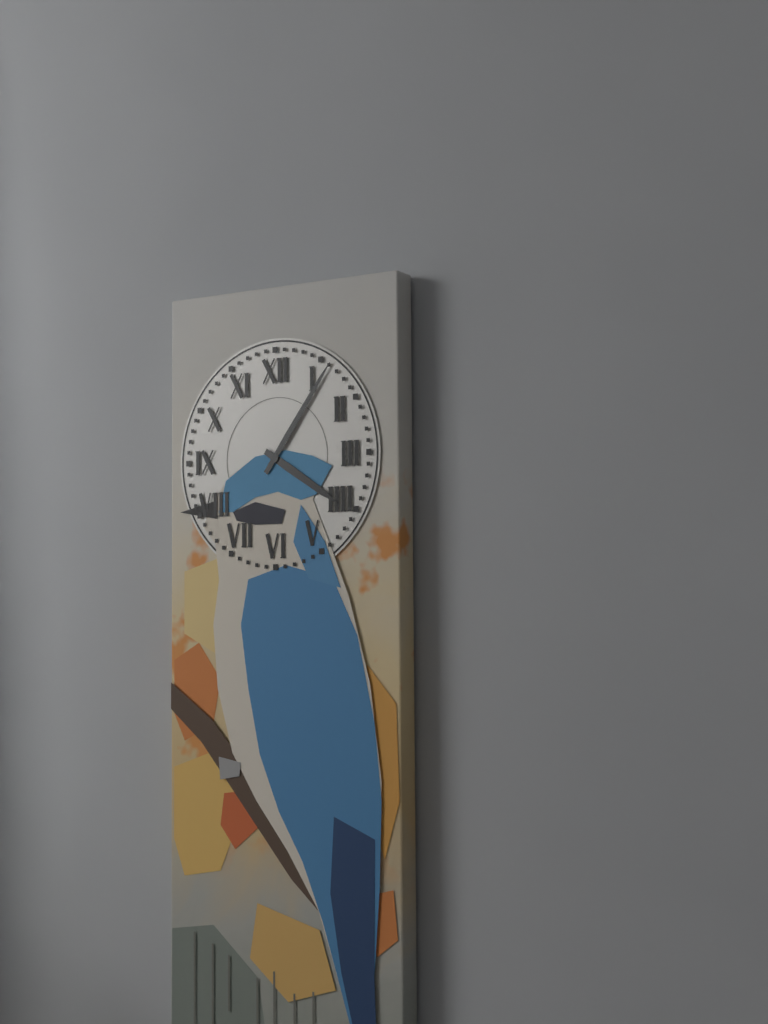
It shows {"hour": 4, "minute": 6}
